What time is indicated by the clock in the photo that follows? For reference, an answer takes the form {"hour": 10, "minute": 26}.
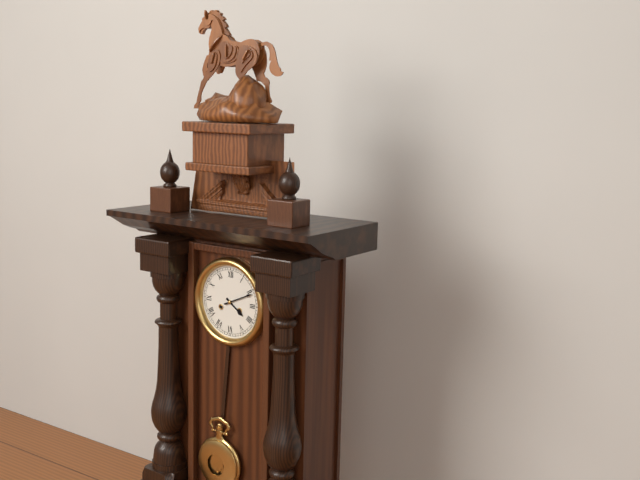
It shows {"hour": 4, "minute": 11}
